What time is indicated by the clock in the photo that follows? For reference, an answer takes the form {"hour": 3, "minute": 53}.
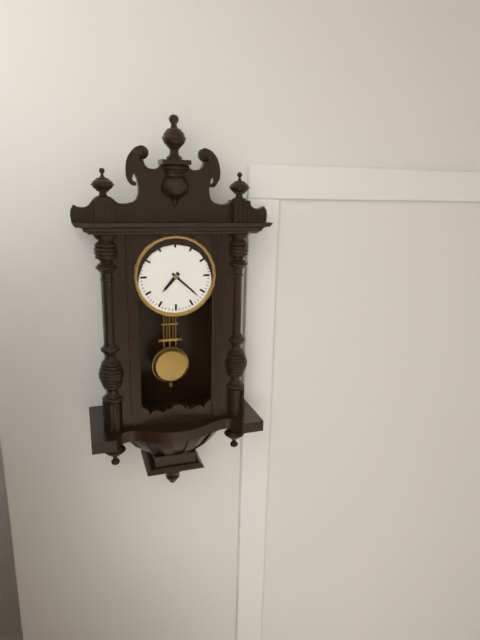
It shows {"hour": 7, "minute": 22}
